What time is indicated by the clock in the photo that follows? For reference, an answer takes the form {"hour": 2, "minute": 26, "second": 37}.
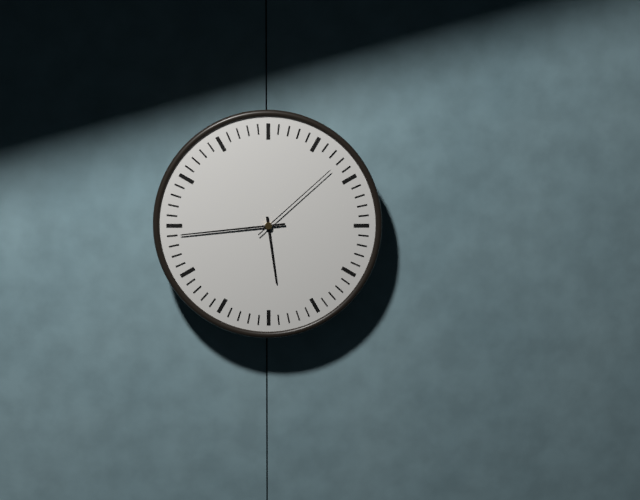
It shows {"hour": 5, "minute": 44, "second": 8}
